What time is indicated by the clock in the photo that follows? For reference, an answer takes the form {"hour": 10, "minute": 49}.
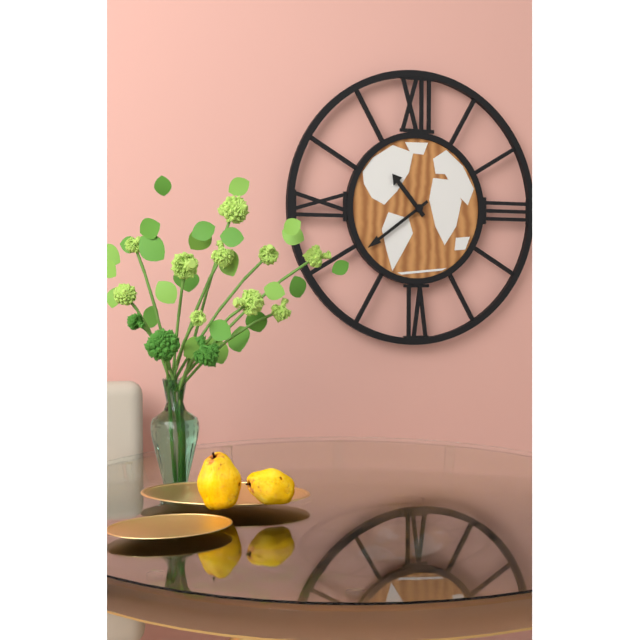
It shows {"hour": 10, "minute": 39}
